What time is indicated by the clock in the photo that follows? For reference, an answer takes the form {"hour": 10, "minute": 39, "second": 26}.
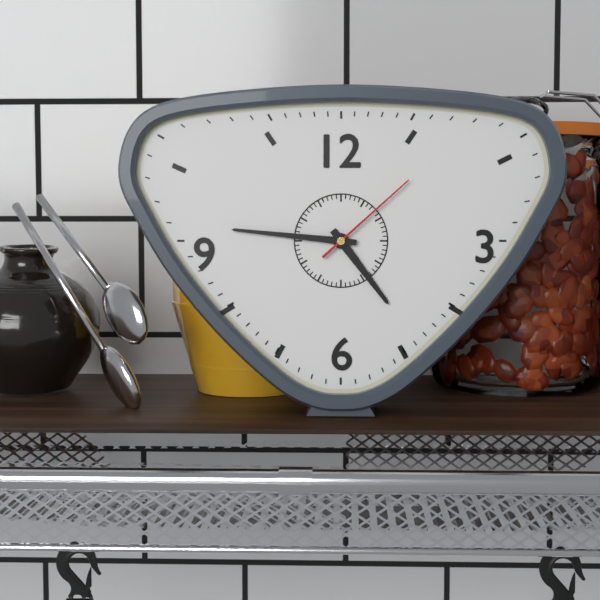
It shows {"hour": 4, "minute": 46, "second": 8}
